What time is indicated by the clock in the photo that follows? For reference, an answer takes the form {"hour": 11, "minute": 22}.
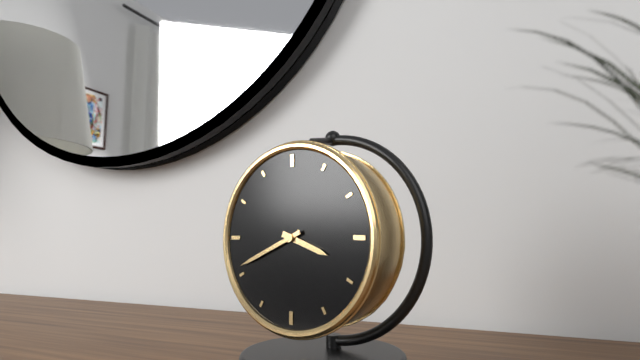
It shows {"hour": 3, "minute": 41}
